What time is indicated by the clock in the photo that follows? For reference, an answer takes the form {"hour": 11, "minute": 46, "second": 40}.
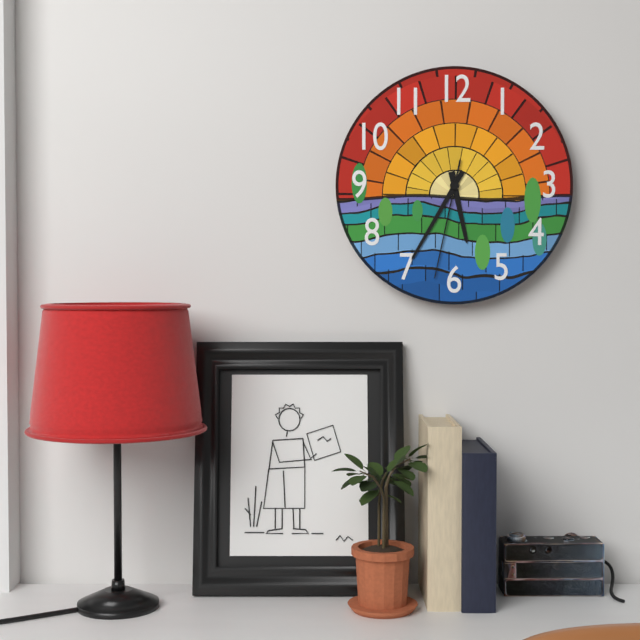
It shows {"hour": 5, "minute": 35, "second": 32}
